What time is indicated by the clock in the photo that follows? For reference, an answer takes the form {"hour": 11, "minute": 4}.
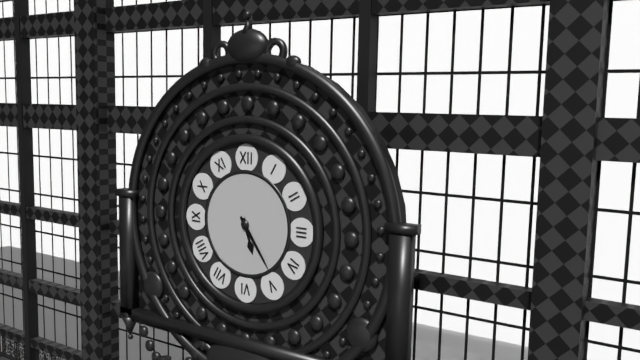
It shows {"hour": 5, "minute": 24}
